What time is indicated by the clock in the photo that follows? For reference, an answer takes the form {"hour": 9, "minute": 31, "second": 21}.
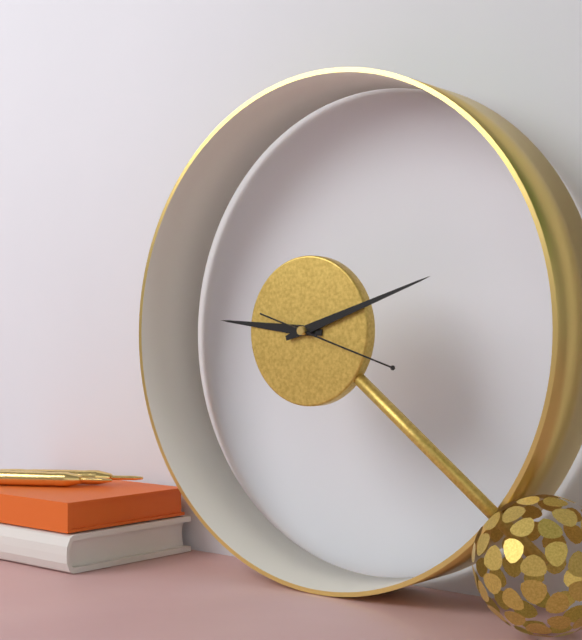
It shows {"hour": 9, "minute": 12, "second": 18}
